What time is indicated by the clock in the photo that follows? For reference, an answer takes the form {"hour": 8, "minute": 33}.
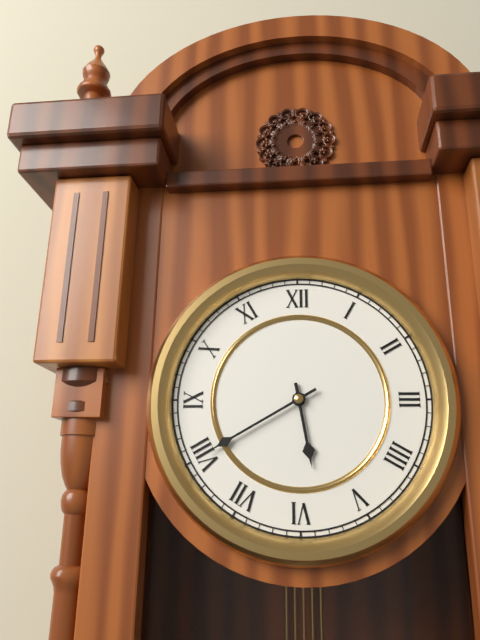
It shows {"hour": 5, "minute": 40}
